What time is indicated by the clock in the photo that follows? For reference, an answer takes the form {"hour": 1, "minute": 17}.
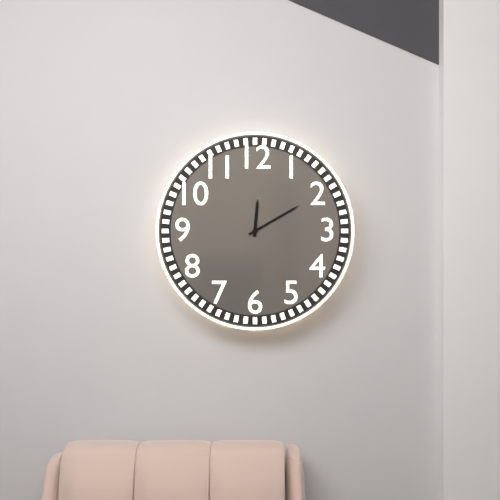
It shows {"hour": 12, "minute": 10}
